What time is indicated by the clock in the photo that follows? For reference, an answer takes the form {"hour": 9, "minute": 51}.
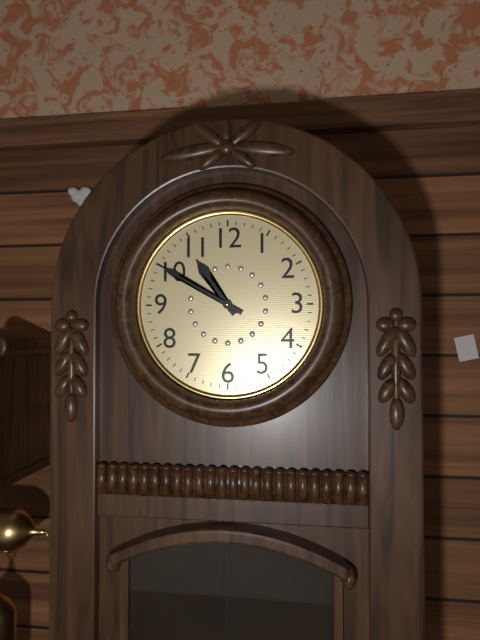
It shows {"hour": 10, "minute": 50}
